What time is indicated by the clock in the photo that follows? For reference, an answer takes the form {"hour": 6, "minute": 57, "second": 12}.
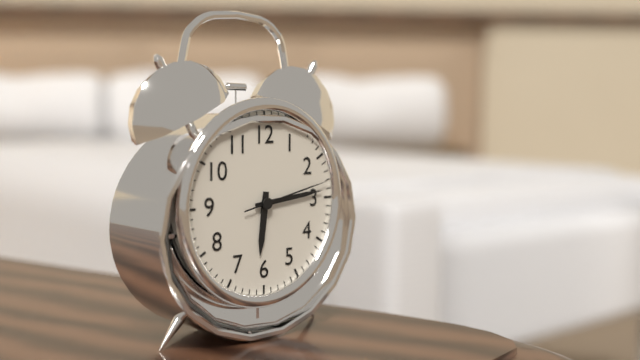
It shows {"hour": 6, "minute": 14, "second": 13}
